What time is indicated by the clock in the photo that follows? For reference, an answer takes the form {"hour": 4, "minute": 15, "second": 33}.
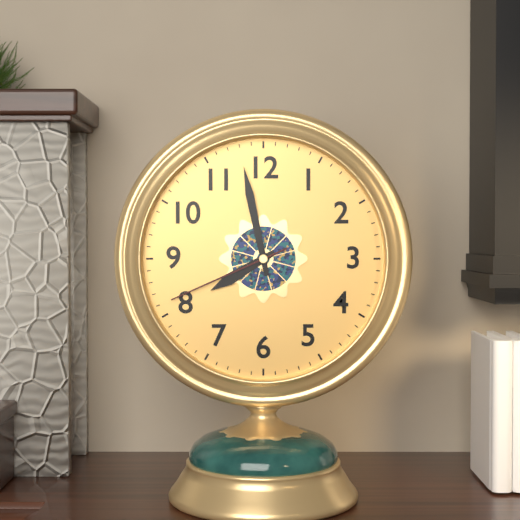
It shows {"hour": 7, "minute": 58, "second": 41}
